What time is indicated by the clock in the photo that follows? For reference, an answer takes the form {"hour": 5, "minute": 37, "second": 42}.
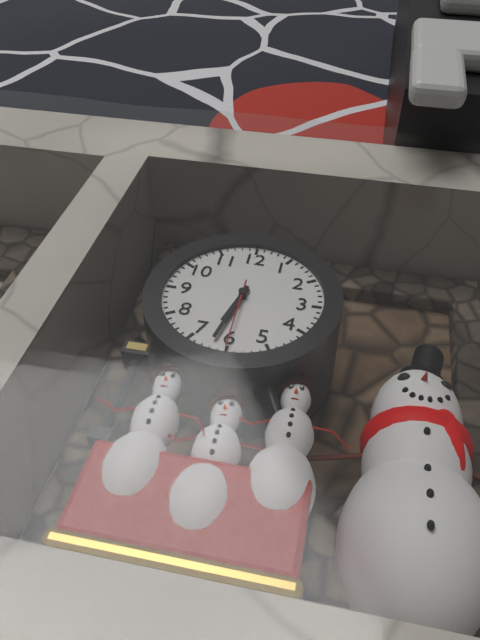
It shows {"hour": 6, "minute": 32, "second": 30}
